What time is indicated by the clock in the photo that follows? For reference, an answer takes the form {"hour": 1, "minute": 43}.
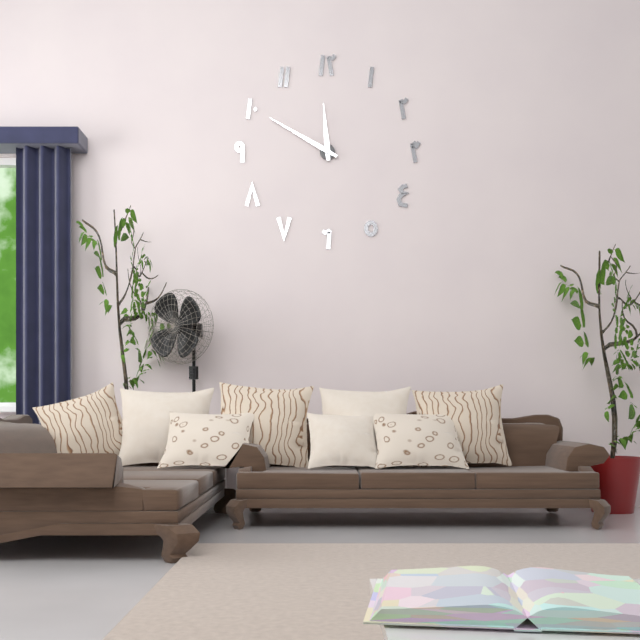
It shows {"hour": 11, "minute": 50}
